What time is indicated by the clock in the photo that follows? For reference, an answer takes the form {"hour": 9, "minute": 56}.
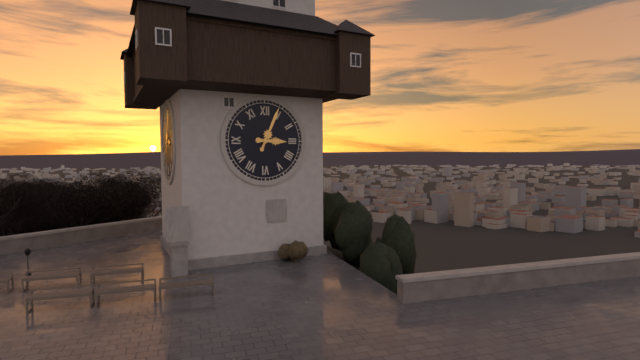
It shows {"hour": 3, "minute": 4}
